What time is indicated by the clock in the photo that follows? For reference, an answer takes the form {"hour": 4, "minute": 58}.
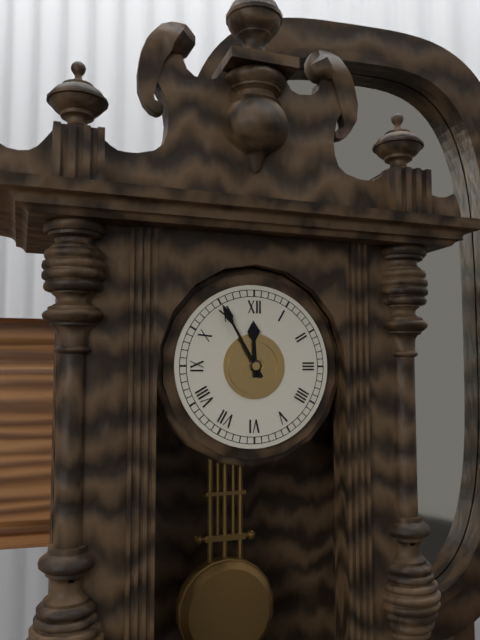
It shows {"hour": 11, "minute": 55}
